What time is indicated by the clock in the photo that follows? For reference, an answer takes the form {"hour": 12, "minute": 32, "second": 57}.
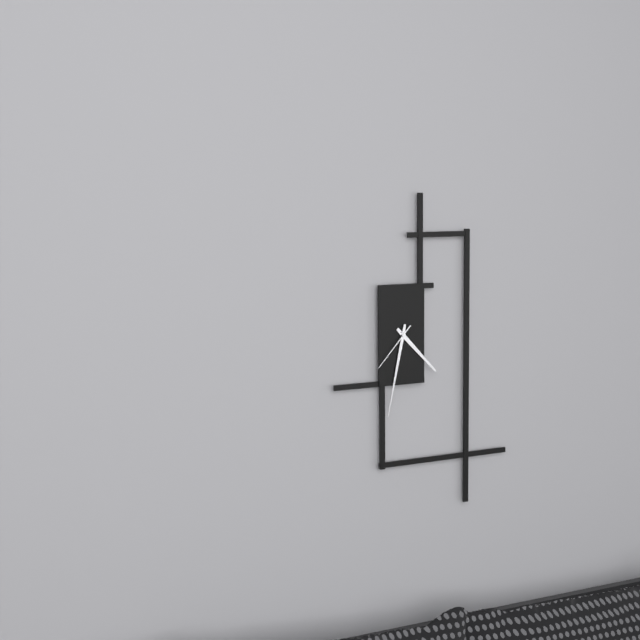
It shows {"hour": 4, "minute": 32, "second": 37}
